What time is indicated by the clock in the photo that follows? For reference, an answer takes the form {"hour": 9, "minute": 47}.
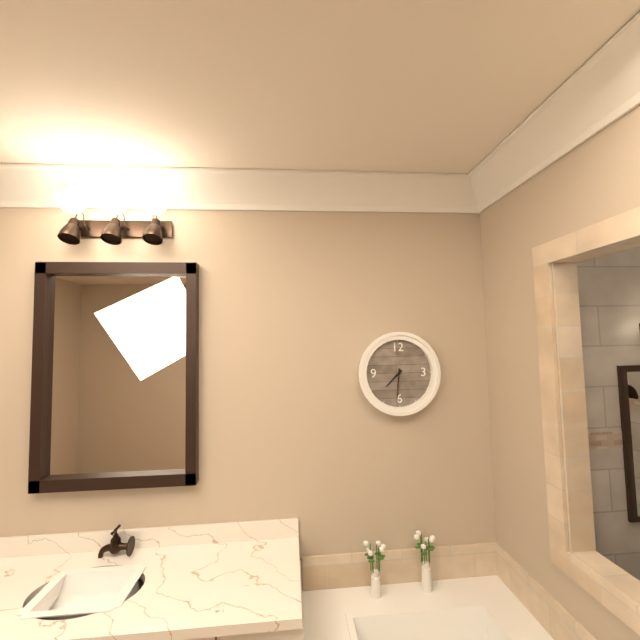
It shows {"hour": 7, "minute": 31}
